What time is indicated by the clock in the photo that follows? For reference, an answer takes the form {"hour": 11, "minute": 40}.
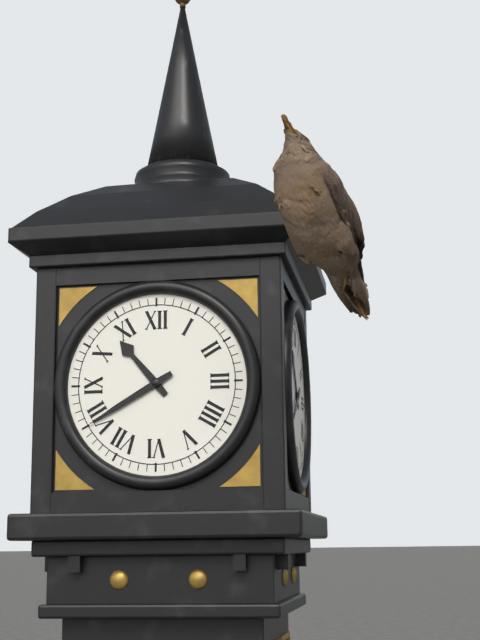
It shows {"hour": 10, "minute": 40}
